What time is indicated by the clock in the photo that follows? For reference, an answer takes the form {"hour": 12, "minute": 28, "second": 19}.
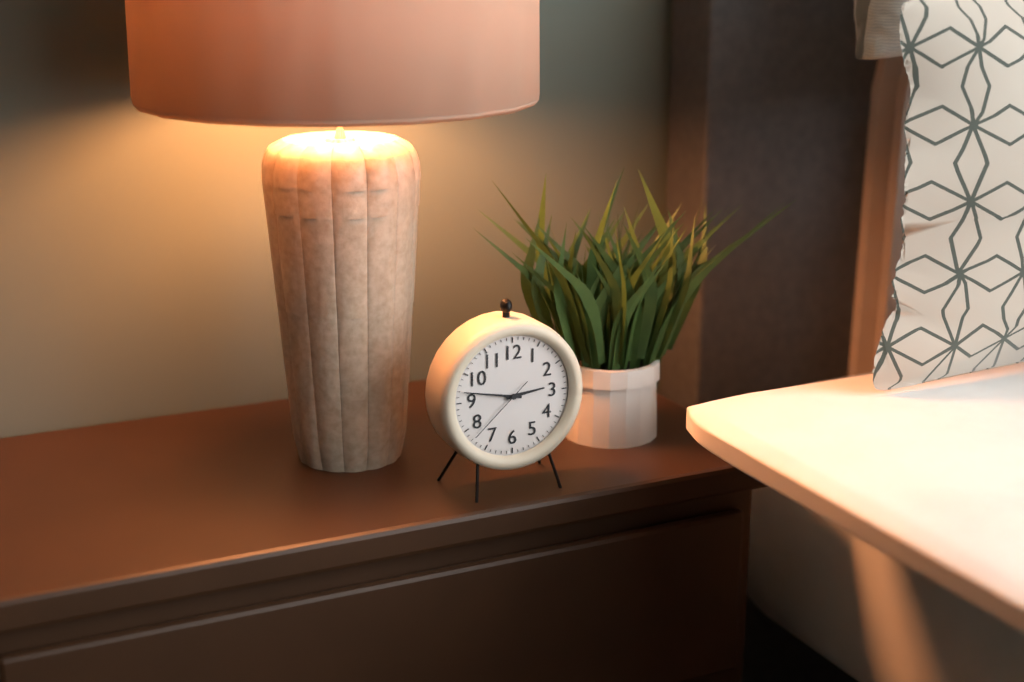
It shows {"hour": 2, "minute": 47, "second": 38}
